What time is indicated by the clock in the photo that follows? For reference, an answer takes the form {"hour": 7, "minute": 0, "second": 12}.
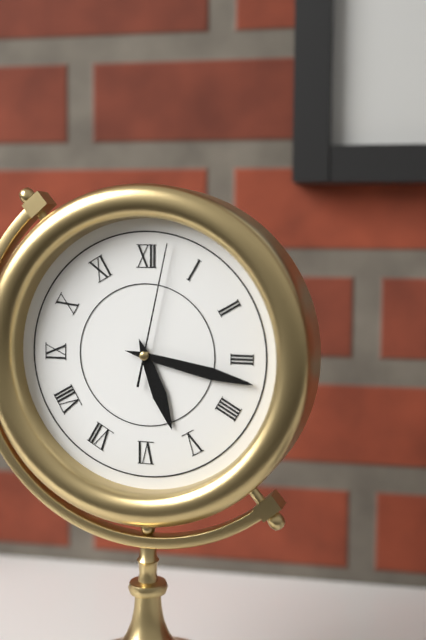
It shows {"hour": 5, "minute": 17, "second": 2}
